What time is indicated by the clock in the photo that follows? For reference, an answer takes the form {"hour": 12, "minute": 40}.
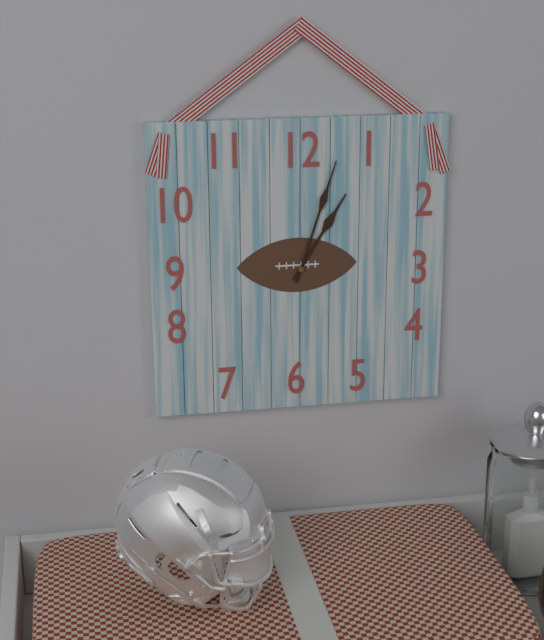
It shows {"hour": 1, "minute": 3}
